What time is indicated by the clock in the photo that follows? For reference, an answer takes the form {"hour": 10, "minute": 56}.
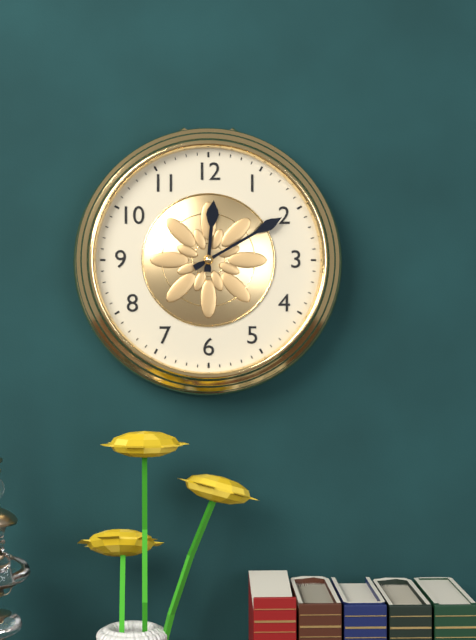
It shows {"hour": 12, "minute": 10}
